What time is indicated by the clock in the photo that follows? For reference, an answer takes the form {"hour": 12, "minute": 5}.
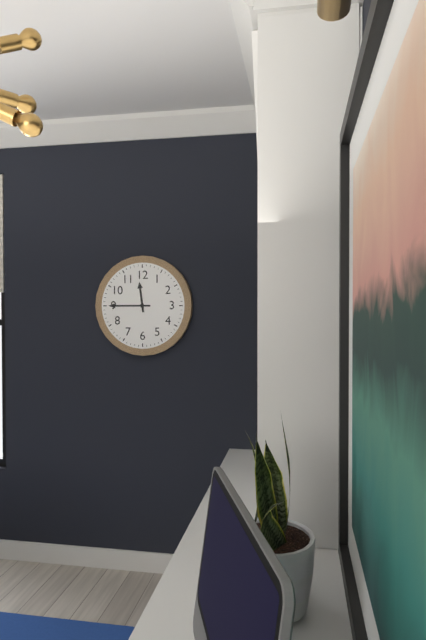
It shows {"hour": 11, "minute": 45}
